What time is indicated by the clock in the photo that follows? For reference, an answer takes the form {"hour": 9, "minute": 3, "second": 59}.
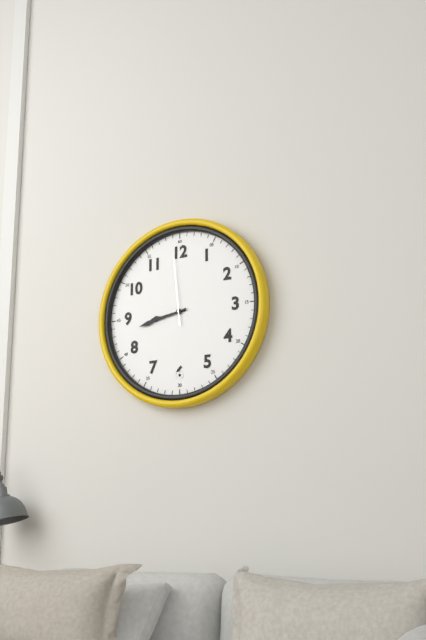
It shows {"hour": 8, "minute": 43, "second": 59}
